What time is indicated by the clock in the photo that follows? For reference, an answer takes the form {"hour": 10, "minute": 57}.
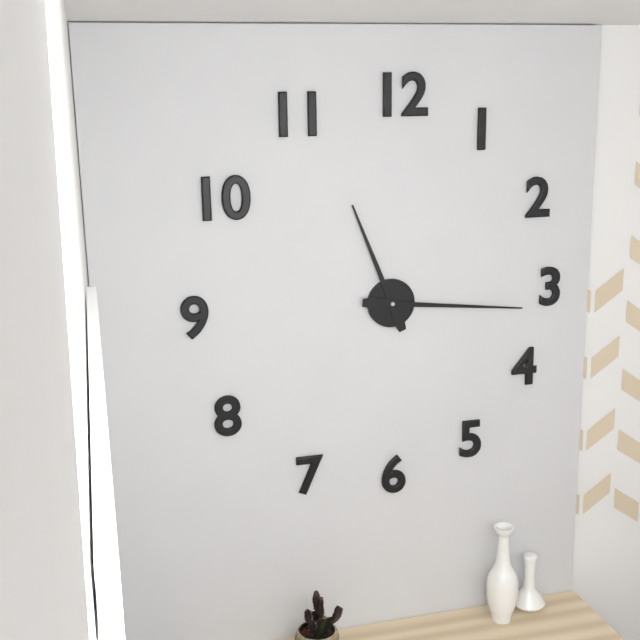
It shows {"hour": 11, "minute": 16}
